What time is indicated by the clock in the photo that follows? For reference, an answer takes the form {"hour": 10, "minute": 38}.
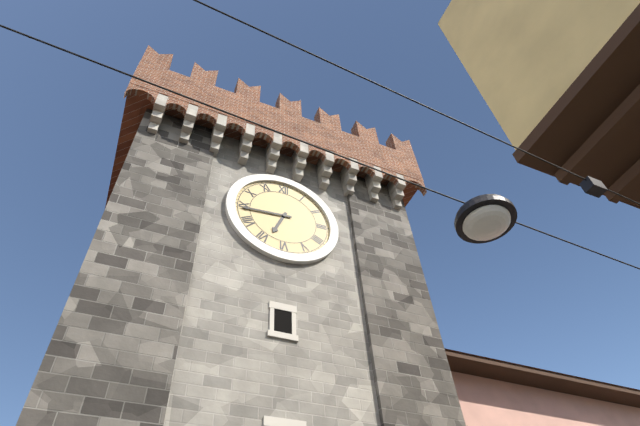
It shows {"hour": 6, "minute": 44}
